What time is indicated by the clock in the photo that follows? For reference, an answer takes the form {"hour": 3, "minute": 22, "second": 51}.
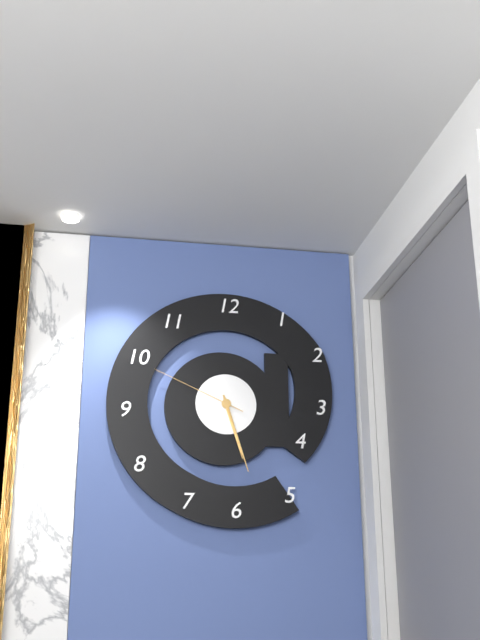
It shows {"hour": 5, "minute": 27, "second": 49}
